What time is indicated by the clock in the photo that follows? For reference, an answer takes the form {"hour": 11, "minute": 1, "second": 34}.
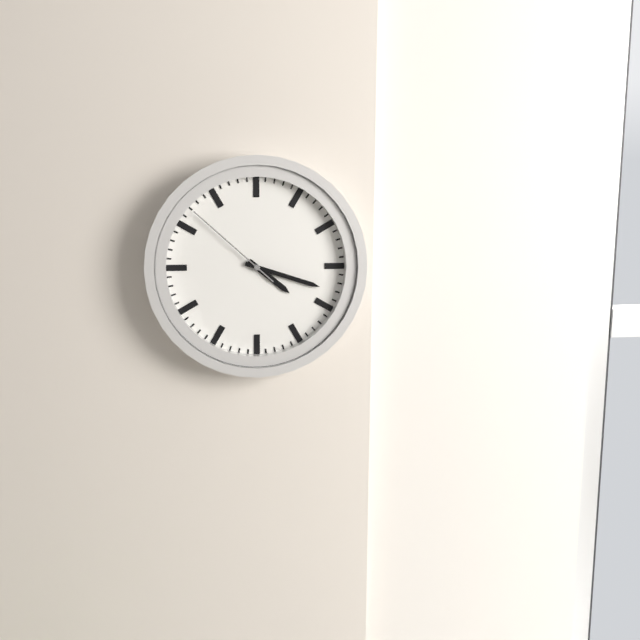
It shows {"hour": 4, "minute": 18, "second": 52}
